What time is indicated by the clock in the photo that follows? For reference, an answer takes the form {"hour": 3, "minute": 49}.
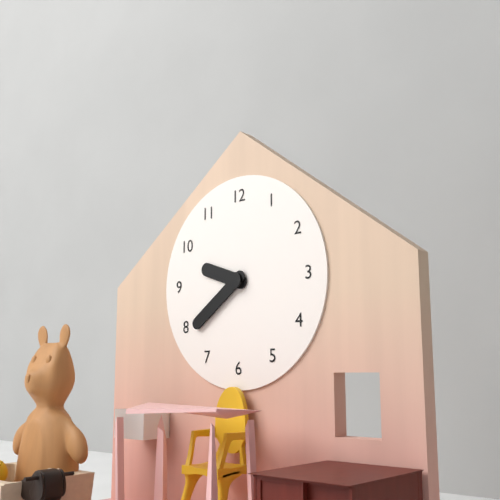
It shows {"hour": 9, "minute": 39}
